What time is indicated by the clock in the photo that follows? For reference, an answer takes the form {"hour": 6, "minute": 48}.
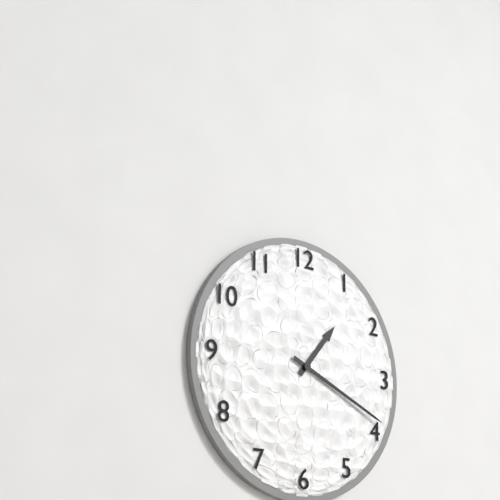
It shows {"hour": 1, "minute": 19}
